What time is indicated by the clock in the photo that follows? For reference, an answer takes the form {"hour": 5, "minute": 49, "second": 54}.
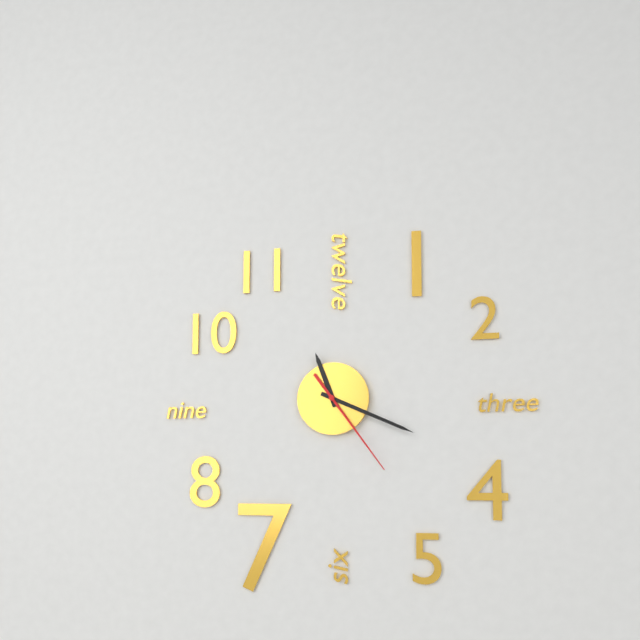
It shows {"hour": 11, "minute": 19, "second": 24}
